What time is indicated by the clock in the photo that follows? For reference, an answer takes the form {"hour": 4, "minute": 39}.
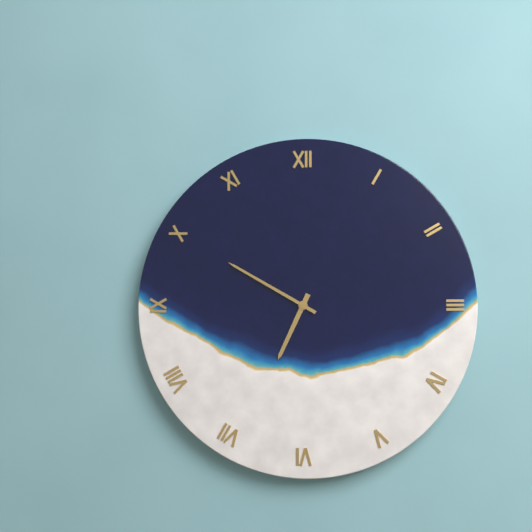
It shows {"hour": 6, "minute": 50}
